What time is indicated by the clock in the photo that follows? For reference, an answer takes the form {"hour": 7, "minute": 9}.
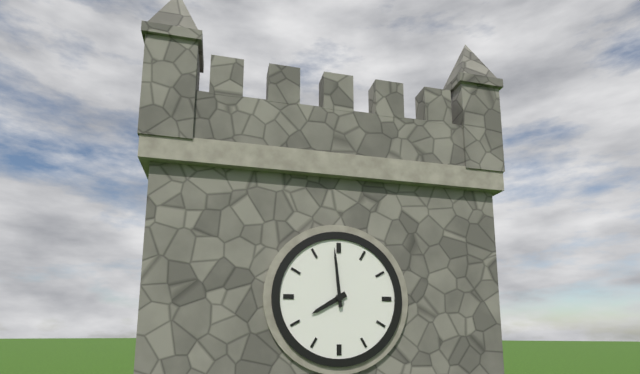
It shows {"hour": 7, "minute": 59}
